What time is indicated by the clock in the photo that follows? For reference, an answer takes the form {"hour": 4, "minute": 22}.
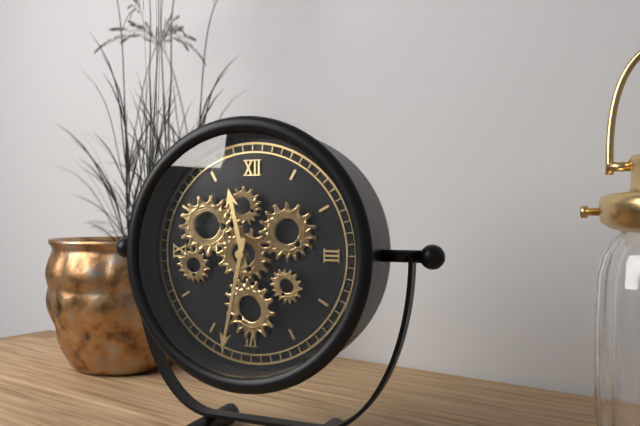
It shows {"hour": 11, "minute": 32}
